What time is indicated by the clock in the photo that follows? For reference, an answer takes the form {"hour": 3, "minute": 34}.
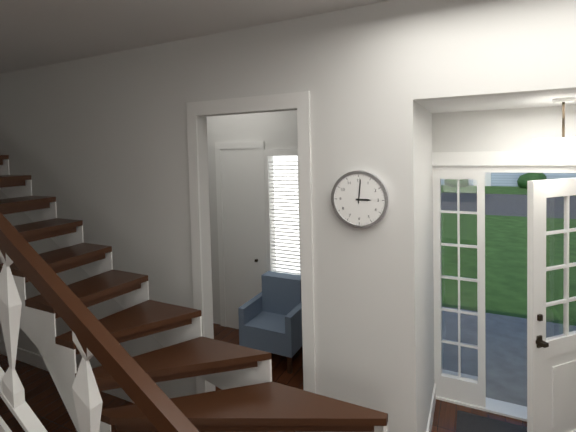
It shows {"hour": 3, "minute": 1}
